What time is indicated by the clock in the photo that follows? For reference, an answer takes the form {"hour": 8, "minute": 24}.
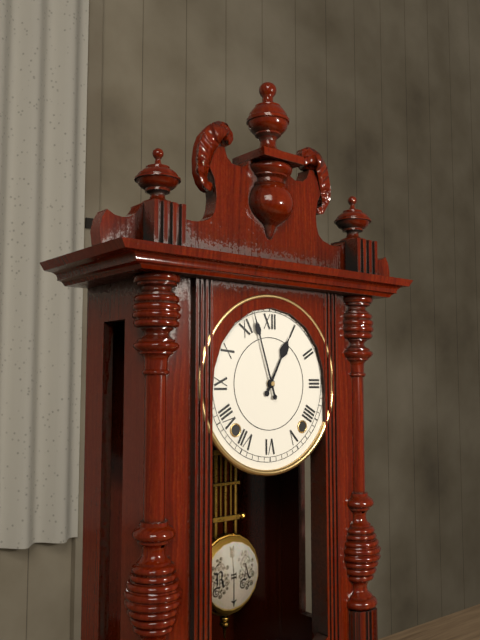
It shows {"hour": 12, "minute": 57}
